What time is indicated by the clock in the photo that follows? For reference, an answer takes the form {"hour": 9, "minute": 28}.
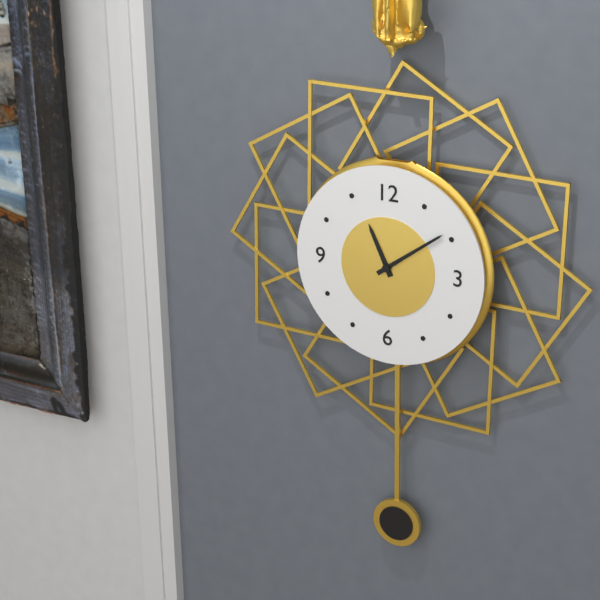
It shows {"hour": 11, "minute": 9}
